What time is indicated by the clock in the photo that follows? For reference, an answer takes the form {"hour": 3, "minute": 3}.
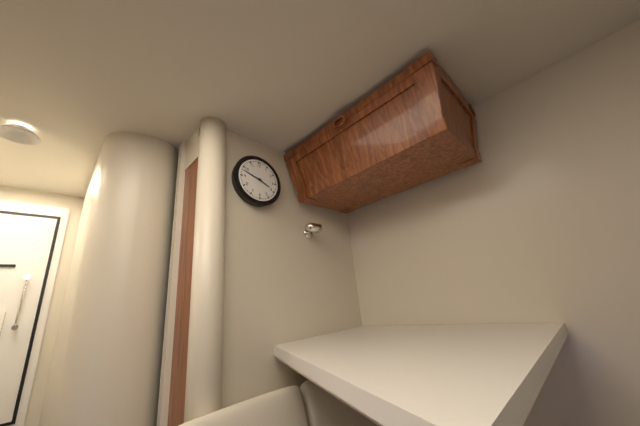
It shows {"hour": 3, "minute": 48}
